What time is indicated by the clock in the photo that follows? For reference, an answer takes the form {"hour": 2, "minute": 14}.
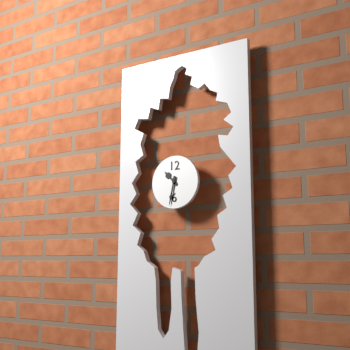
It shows {"hour": 10, "minute": 32}
